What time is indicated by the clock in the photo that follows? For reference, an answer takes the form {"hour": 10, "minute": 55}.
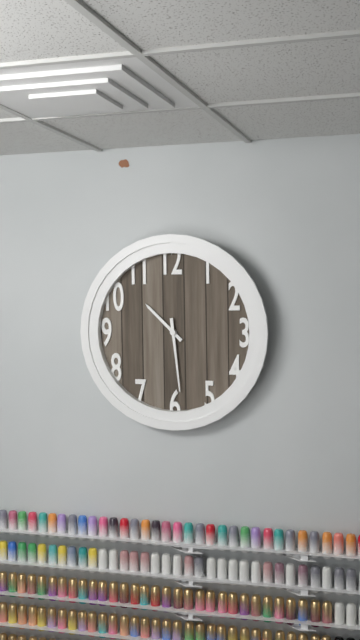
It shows {"hour": 10, "minute": 29}
